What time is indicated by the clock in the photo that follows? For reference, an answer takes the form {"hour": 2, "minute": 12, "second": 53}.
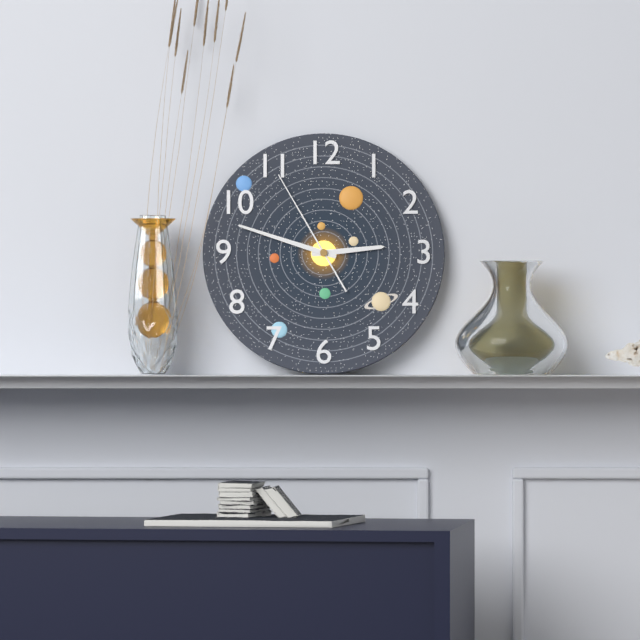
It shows {"hour": 2, "minute": 48, "second": 55}
